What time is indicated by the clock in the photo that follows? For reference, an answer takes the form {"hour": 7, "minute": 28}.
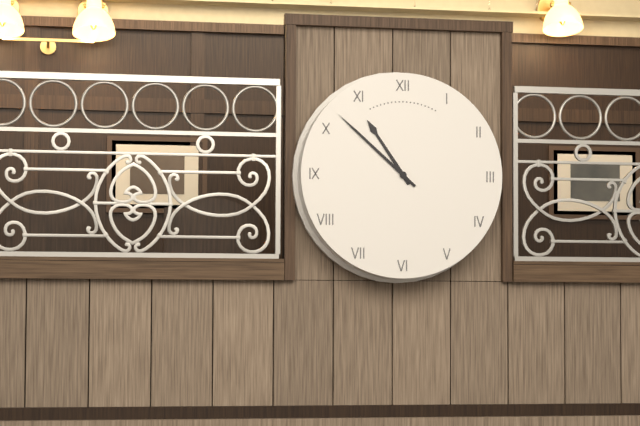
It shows {"hour": 10, "minute": 52}
